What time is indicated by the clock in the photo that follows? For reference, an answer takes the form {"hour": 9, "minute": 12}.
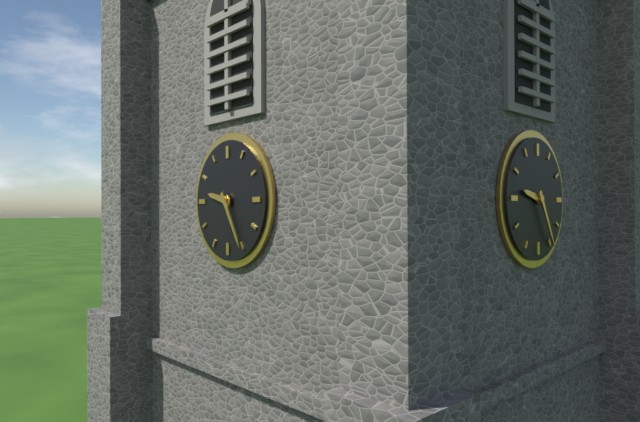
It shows {"hour": 9, "minute": 25}
